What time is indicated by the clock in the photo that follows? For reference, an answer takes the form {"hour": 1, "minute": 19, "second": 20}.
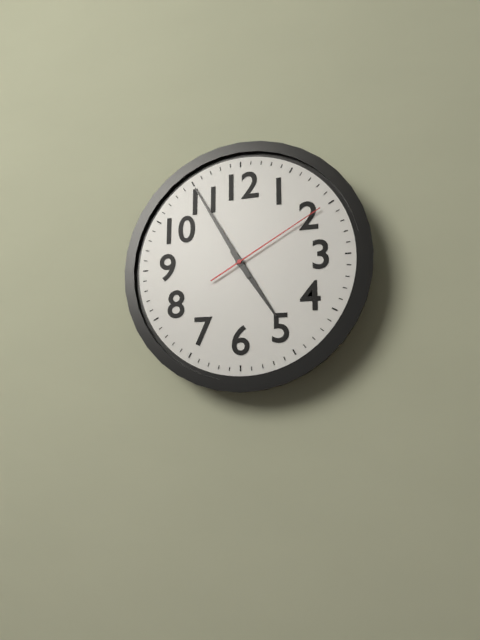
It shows {"hour": 4, "minute": 55, "second": 10}
